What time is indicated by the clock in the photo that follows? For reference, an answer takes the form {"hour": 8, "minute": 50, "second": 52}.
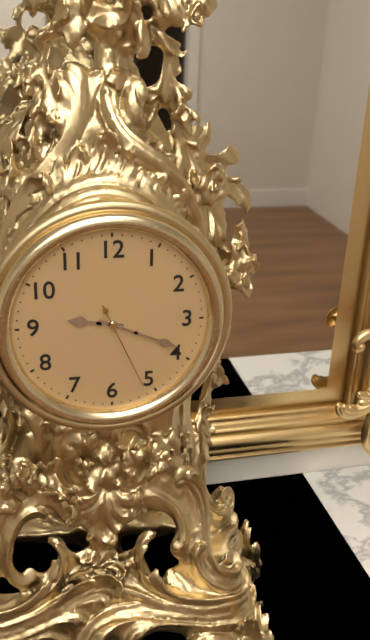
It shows {"hour": 9, "minute": 19, "second": 26}
